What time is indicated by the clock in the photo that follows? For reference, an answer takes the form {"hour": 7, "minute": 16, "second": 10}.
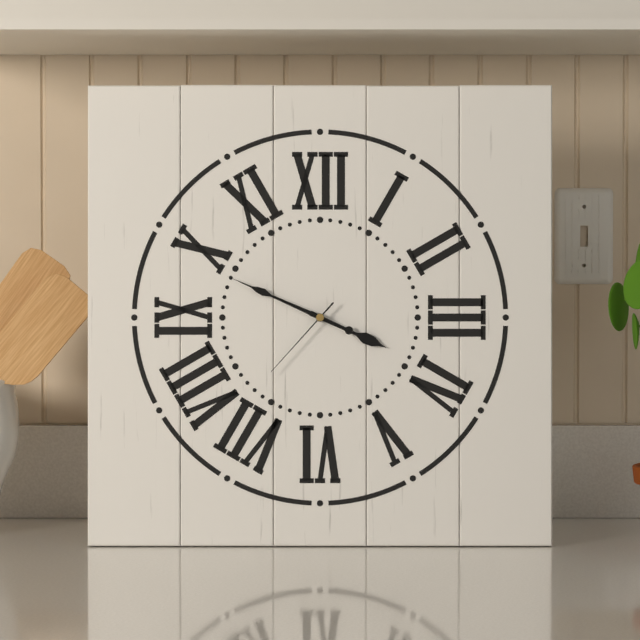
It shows {"hour": 3, "minute": 49, "second": 37}
